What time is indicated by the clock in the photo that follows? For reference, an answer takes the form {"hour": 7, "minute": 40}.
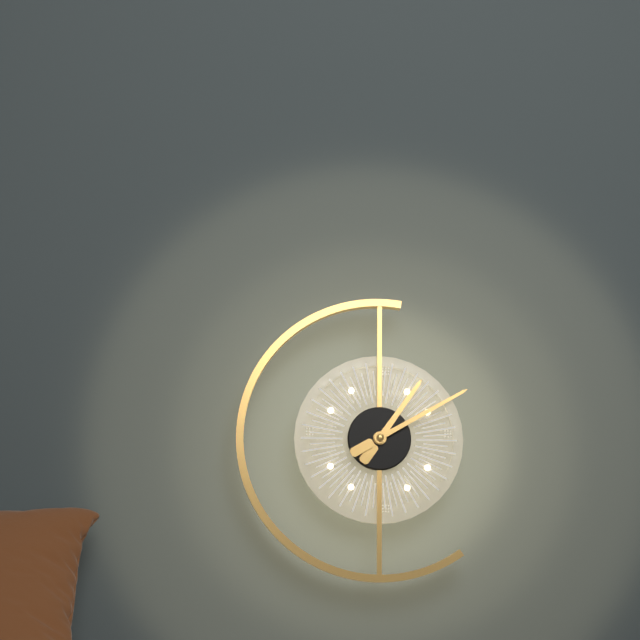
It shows {"hour": 1, "minute": 10}
